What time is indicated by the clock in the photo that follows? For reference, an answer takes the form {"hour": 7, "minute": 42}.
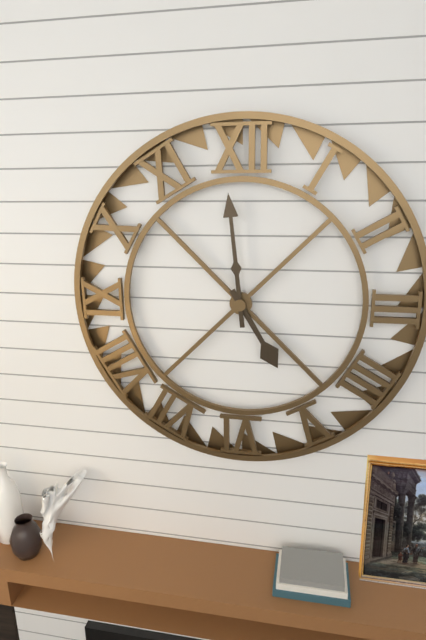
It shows {"hour": 4, "minute": 59}
